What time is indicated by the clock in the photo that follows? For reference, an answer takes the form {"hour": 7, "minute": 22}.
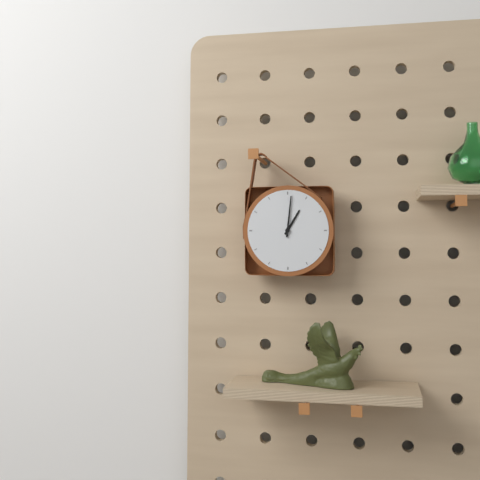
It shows {"hour": 1, "minute": 1}
